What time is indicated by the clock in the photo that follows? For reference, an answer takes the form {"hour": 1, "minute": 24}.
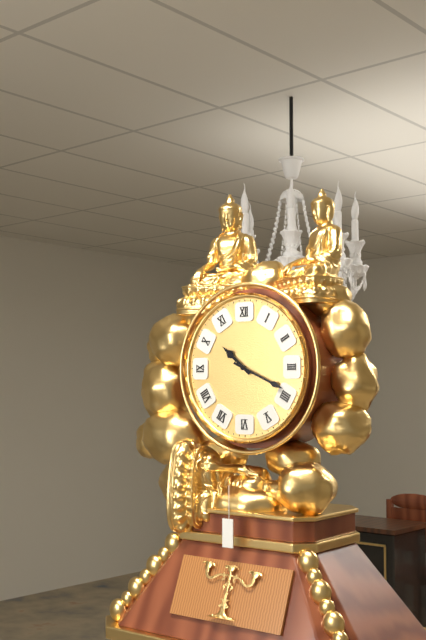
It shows {"hour": 10, "minute": 19}
